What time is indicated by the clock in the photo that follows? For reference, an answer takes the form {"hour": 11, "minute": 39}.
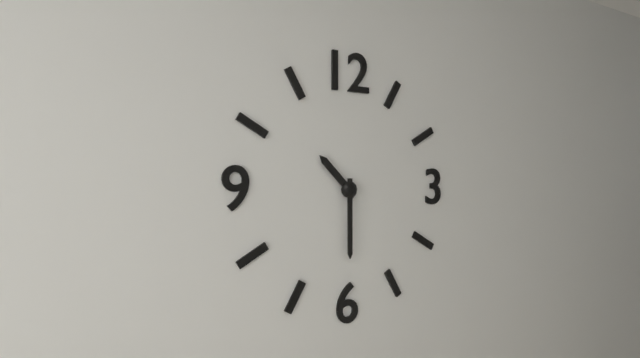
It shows {"hour": 10, "minute": 30}
